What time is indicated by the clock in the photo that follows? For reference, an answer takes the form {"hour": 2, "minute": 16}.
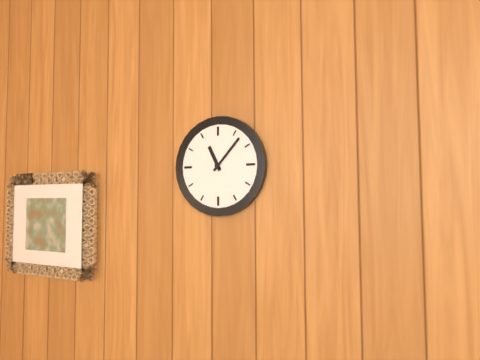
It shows {"hour": 11, "minute": 7}
